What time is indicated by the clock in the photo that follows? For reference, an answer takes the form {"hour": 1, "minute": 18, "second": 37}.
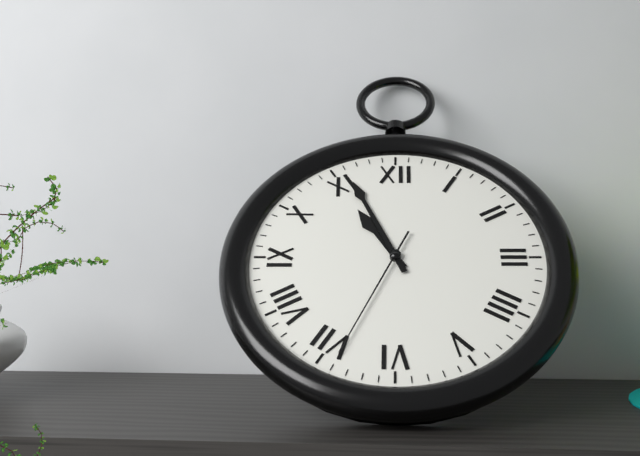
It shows {"hour": 10, "minute": 56, "second": 34}
